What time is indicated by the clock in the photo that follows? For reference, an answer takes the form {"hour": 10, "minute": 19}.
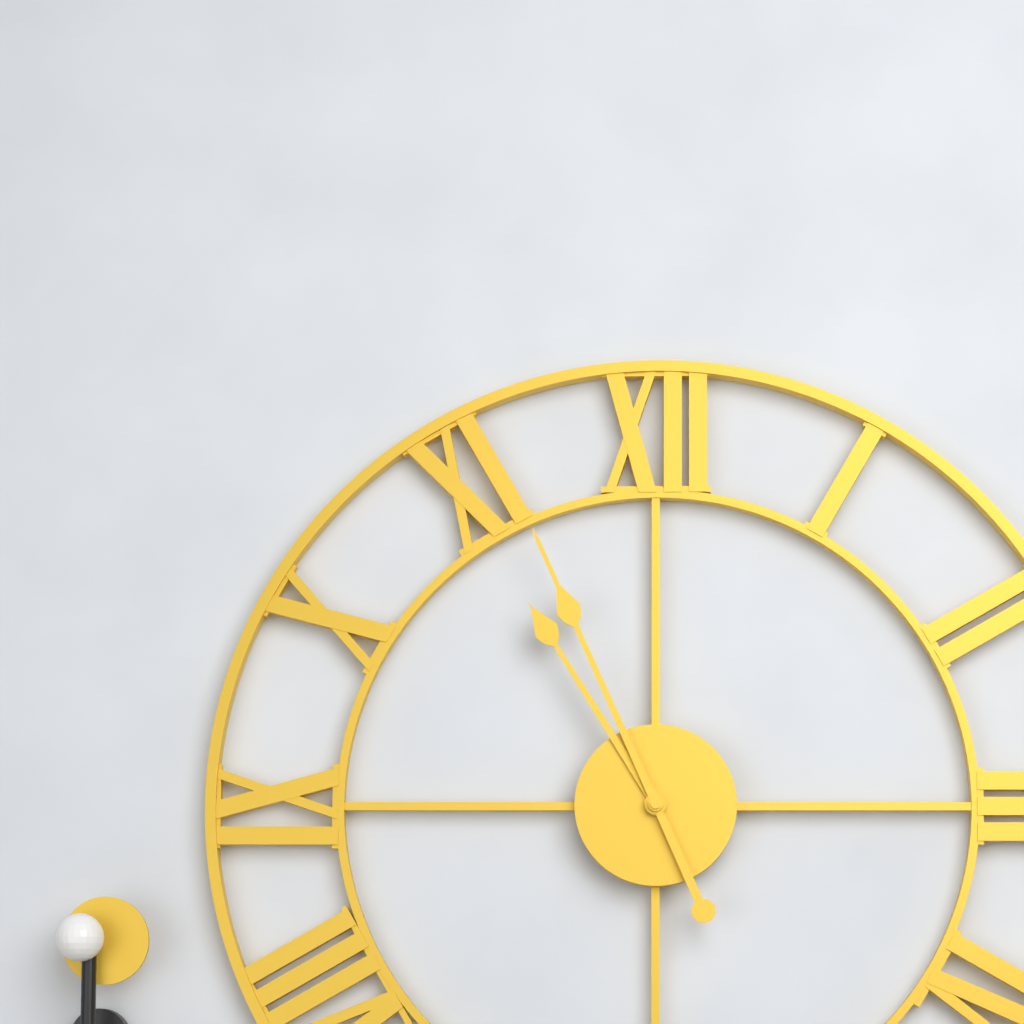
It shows {"hour": 10, "minute": 56}
